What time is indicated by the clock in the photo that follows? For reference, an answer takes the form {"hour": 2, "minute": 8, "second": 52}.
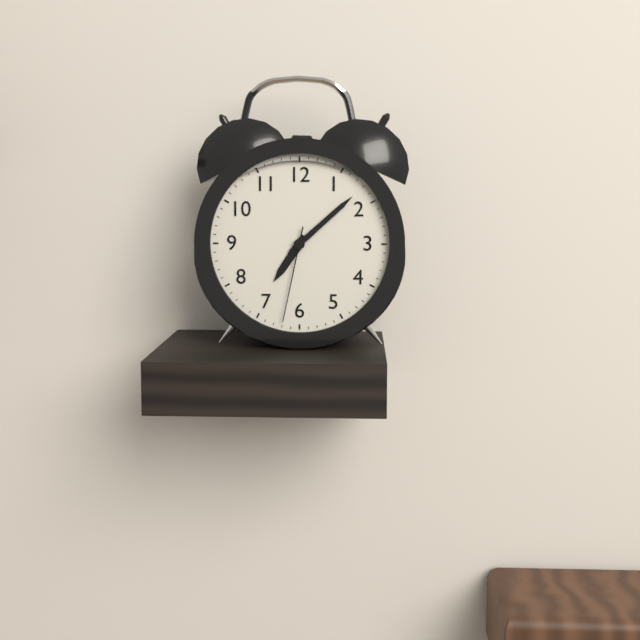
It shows {"hour": 7, "minute": 8, "second": 32}
